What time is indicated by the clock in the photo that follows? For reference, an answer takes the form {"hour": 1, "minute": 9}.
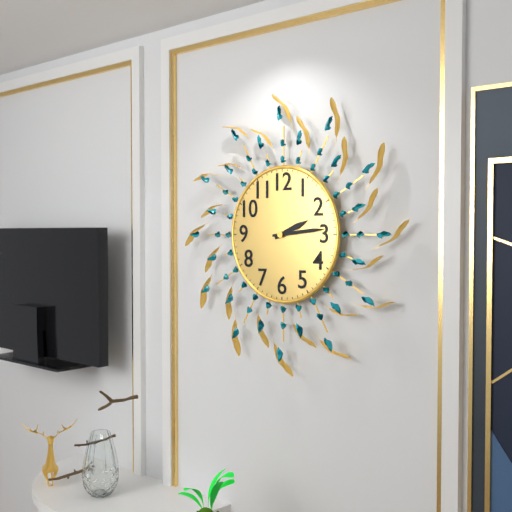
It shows {"hour": 2, "minute": 14}
